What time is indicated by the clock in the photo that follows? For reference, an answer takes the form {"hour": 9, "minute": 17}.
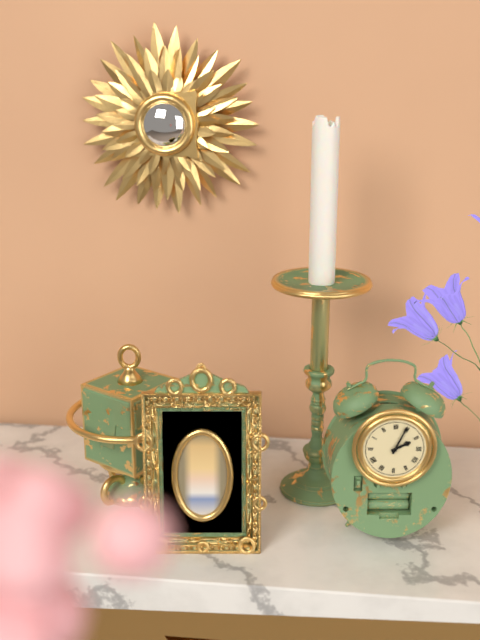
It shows {"hour": 2, "minute": 4}
